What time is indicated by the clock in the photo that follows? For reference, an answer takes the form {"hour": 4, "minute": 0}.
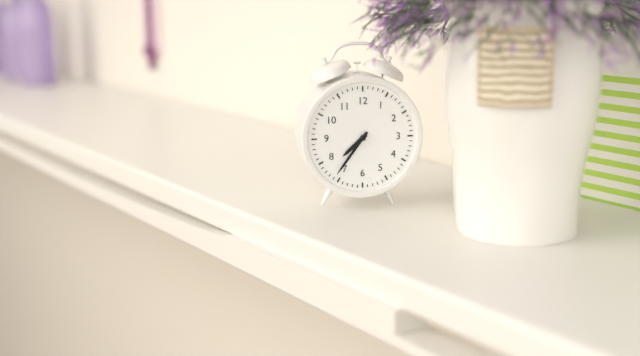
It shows {"hour": 7, "minute": 36}
